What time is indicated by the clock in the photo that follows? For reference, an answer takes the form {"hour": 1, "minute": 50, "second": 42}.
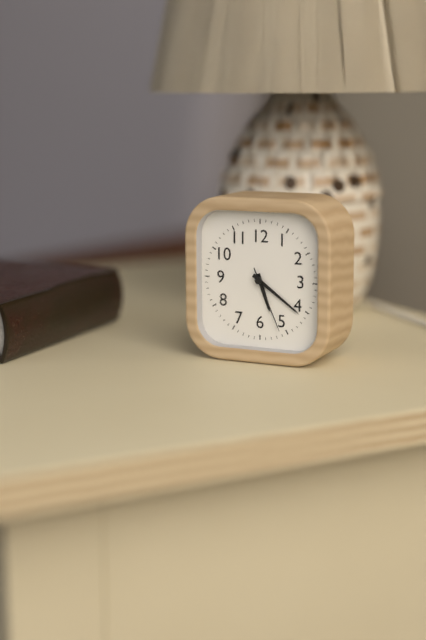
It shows {"hour": 5, "minute": 21, "second": 26}
